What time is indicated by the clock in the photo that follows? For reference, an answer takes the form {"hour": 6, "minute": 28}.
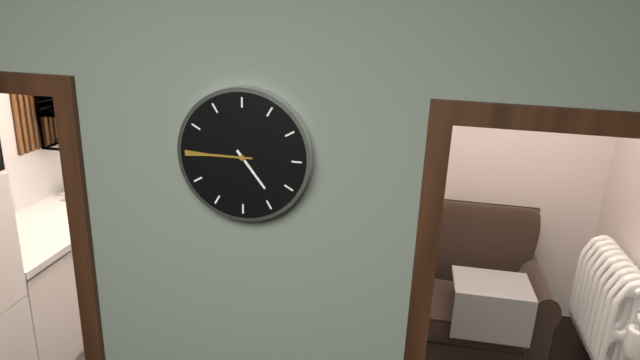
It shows {"hour": 4, "minute": 45}
